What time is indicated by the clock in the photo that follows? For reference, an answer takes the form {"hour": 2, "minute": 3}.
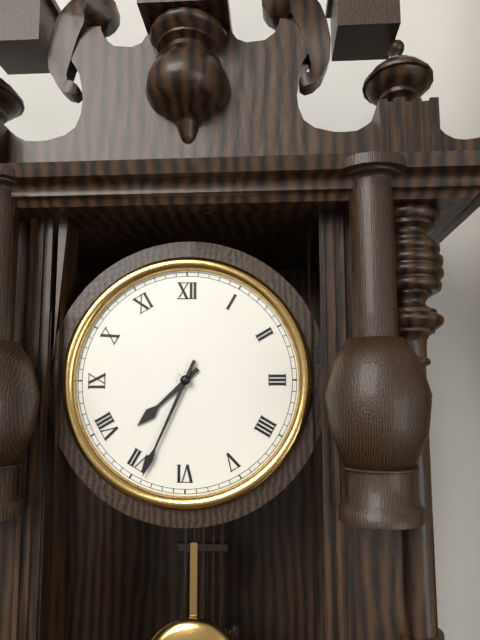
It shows {"hour": 7, "minute": 34}
